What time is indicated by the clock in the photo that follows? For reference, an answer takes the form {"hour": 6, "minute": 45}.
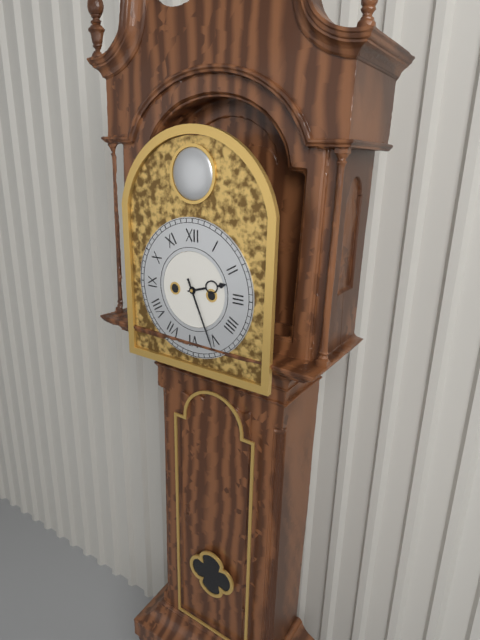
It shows {"hour": 2, "minute": 26}
